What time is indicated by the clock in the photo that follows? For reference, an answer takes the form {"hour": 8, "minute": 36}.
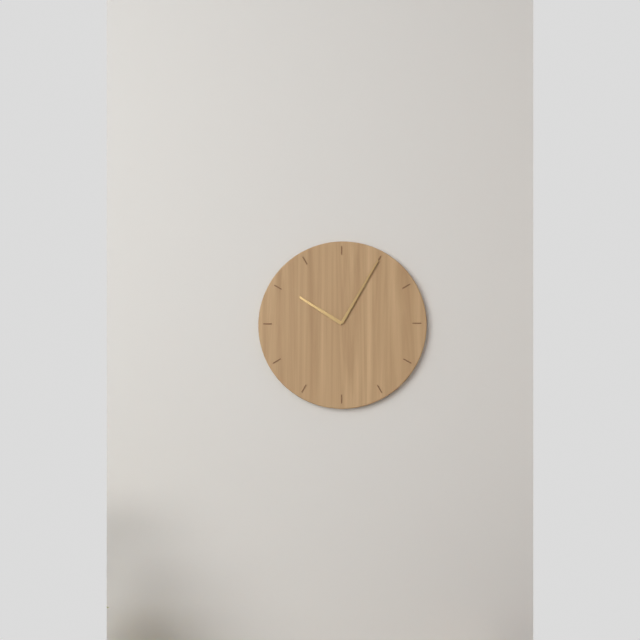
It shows {"hour": 10, "minute": 5}
